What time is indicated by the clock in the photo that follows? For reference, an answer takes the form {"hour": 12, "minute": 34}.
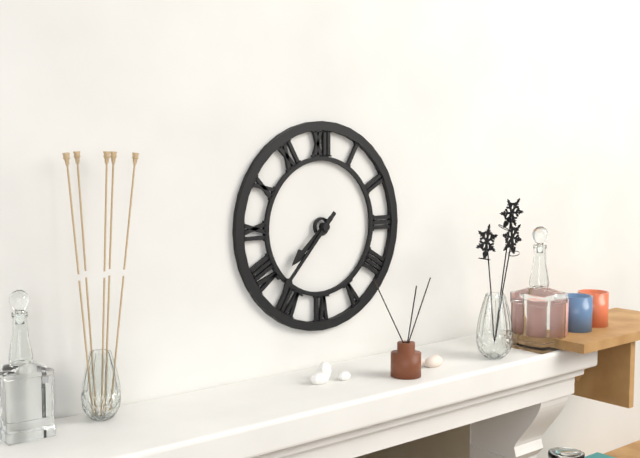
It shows {"hour": 7, "minute": 37}
